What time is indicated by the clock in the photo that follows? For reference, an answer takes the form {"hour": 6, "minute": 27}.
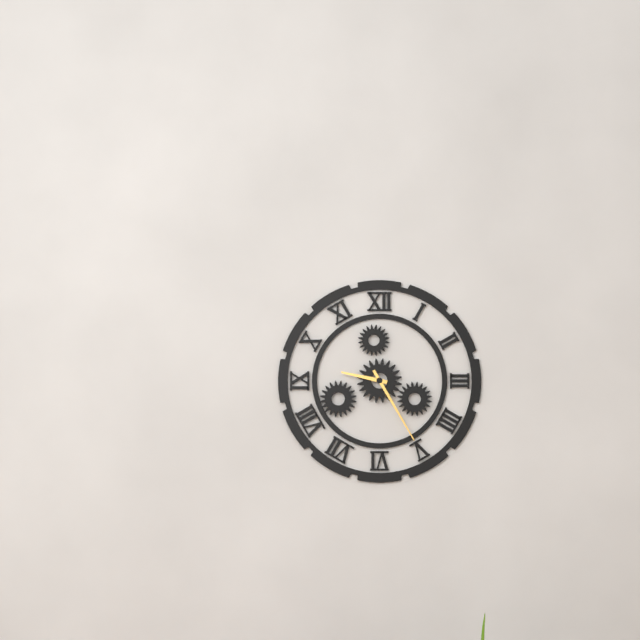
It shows {"hour": 9, "minute": 25}
